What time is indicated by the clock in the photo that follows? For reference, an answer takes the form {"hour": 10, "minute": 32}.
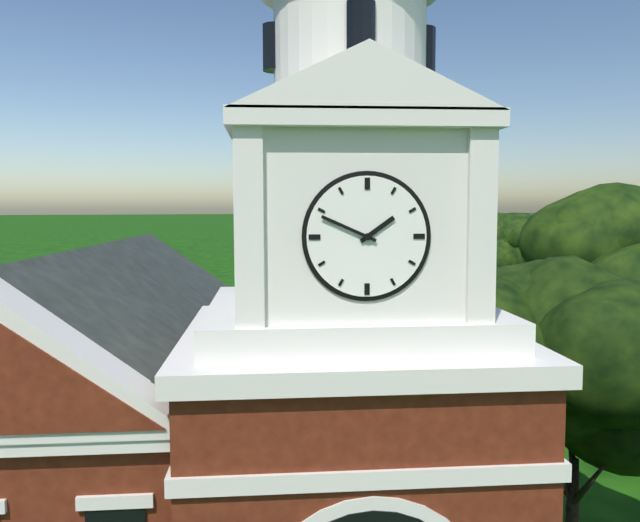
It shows {"hour": 1, "minute": 49}
